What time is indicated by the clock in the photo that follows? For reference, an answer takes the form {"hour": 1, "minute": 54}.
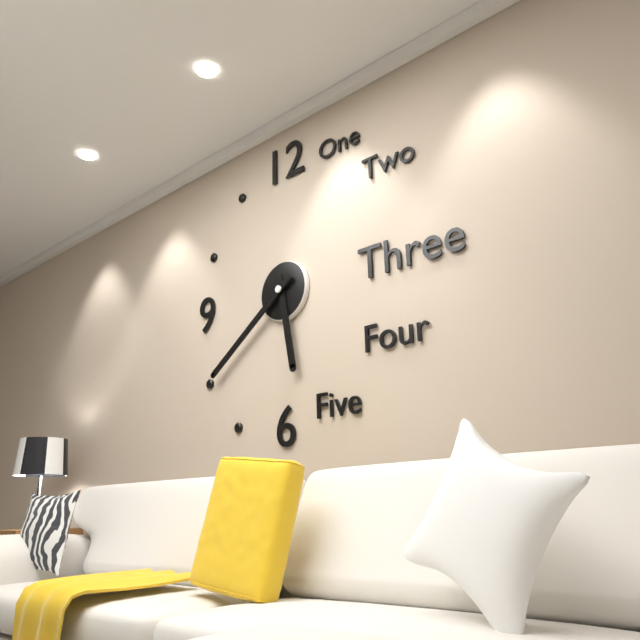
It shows {"hour": 5, "minute": 39}
